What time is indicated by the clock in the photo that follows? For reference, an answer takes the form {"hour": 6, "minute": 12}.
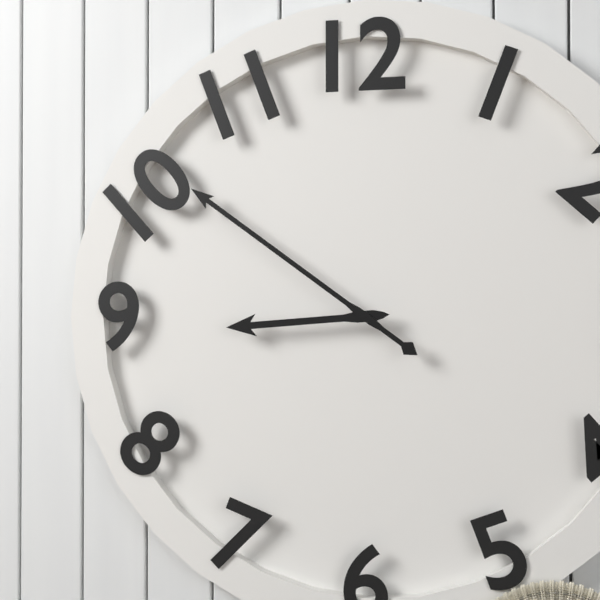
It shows {"hour": 8, "minute": 51}
